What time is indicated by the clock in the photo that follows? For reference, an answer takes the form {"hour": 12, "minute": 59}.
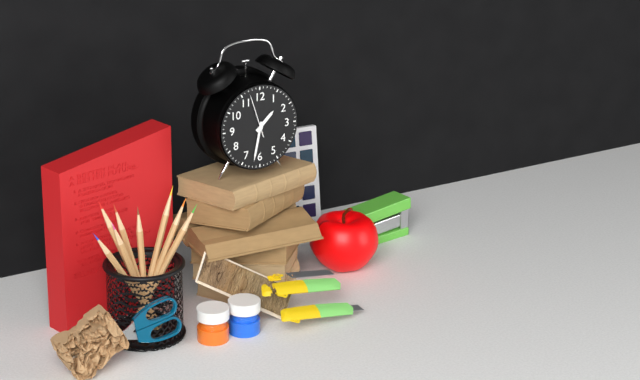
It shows {"hour": 1, "minute": 32}
